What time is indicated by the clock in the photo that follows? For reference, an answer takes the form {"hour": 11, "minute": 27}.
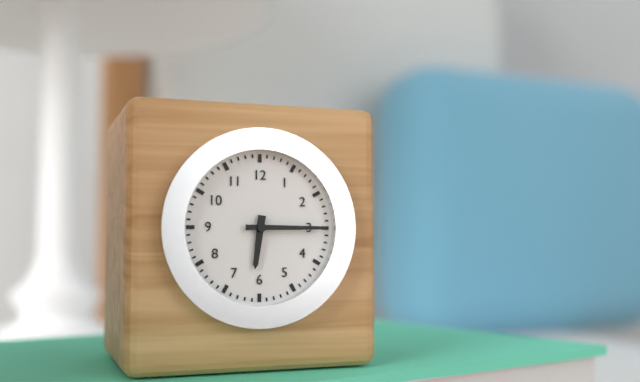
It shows {"hour": 6, "minute": 15}
